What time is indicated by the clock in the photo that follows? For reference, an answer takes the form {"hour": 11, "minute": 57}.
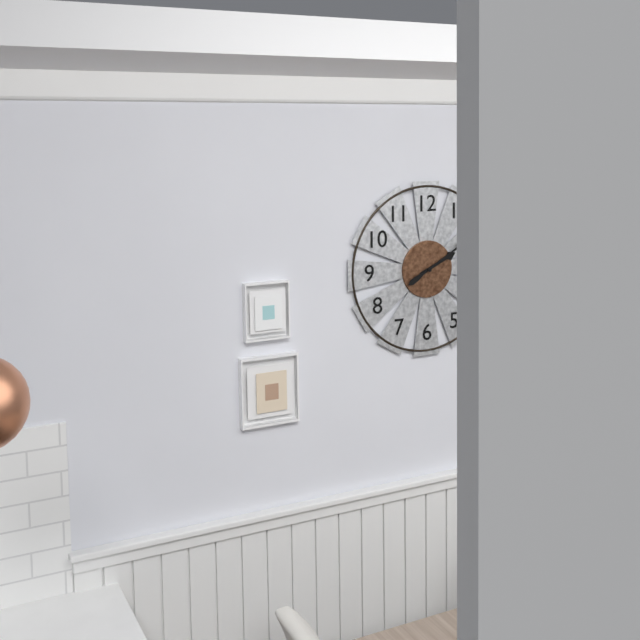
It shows {"hour": 2, "minute": 10}
